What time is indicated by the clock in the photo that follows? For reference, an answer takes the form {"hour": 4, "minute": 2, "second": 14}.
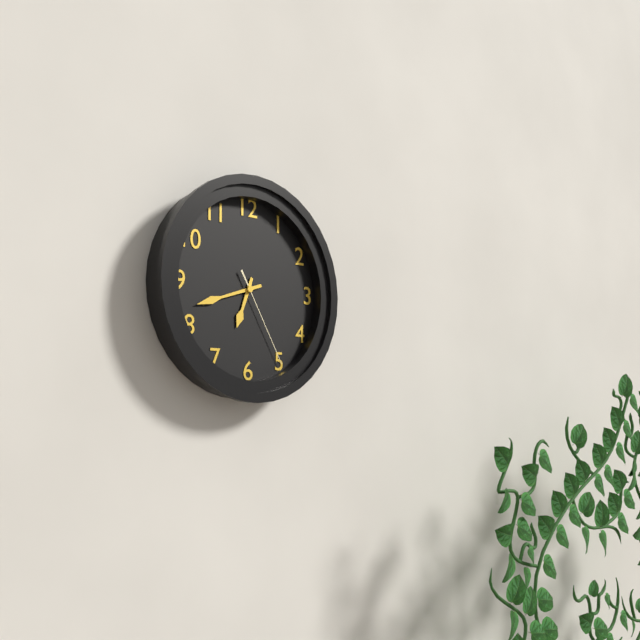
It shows {"hour": 6, "minute": 42, "second": 25}
